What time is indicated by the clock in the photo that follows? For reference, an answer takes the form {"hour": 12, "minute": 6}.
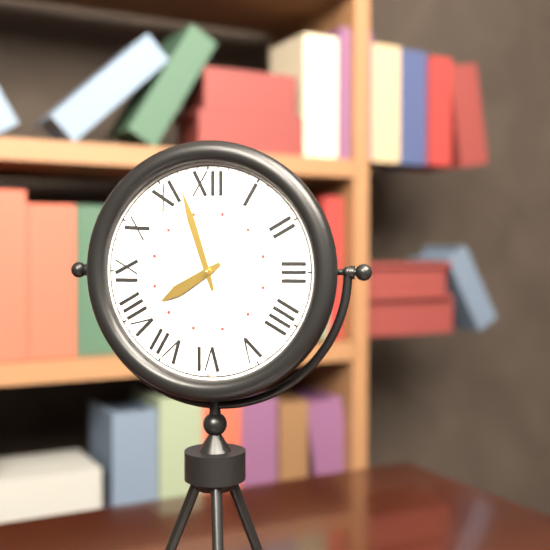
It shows {"hour": 7, "minute": 57}
